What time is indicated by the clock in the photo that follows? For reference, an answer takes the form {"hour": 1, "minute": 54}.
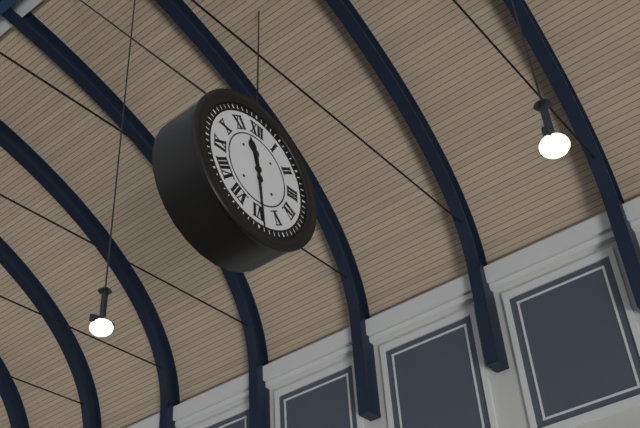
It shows {"hour": 11, "minute": 29}
